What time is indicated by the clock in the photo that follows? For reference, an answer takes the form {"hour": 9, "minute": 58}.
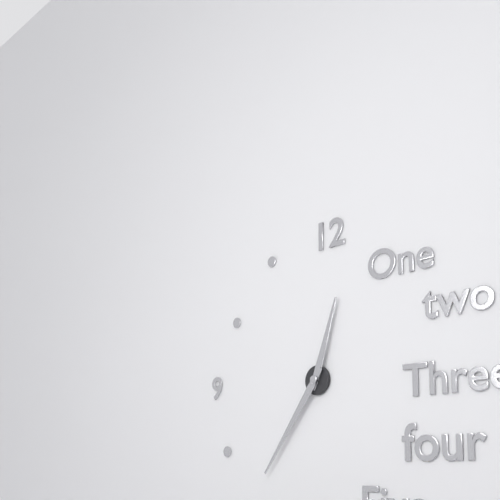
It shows {"hour": 12, "minute": 36}
